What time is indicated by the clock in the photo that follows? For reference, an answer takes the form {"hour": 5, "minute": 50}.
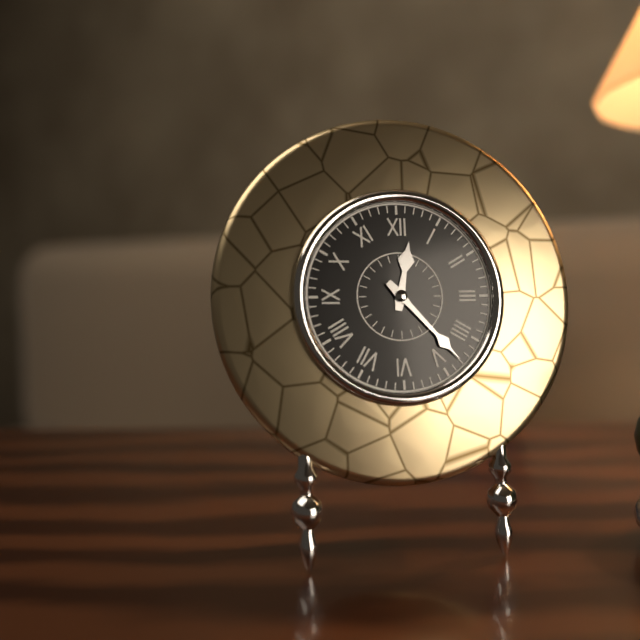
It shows {"hour": 12, "minute": 23}
